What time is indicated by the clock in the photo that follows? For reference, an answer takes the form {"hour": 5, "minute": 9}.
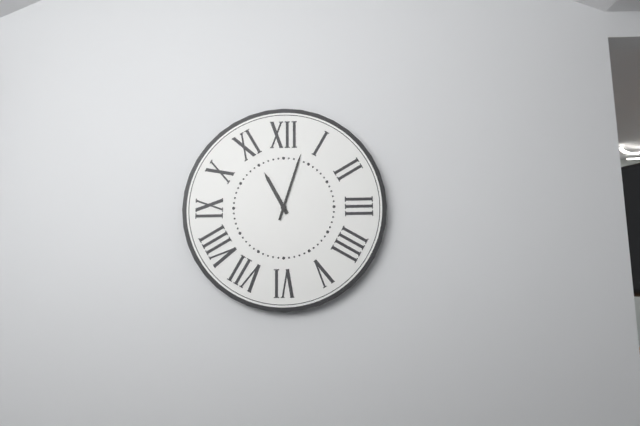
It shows {"hour": 11, "minute": 3}
